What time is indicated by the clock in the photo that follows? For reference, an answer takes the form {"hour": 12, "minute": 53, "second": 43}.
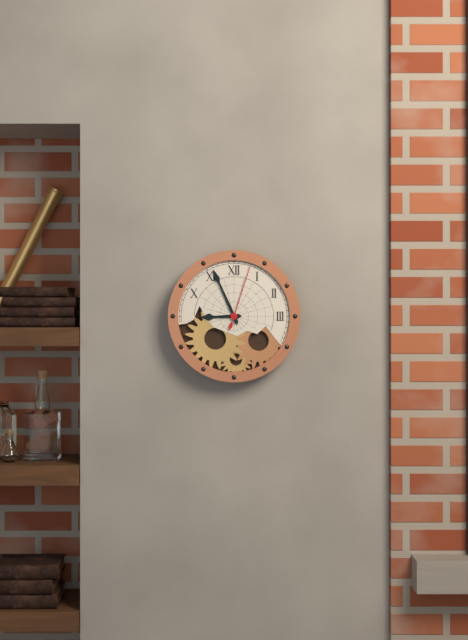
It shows {"hour": 8, "minute": 56, "second": 3}
